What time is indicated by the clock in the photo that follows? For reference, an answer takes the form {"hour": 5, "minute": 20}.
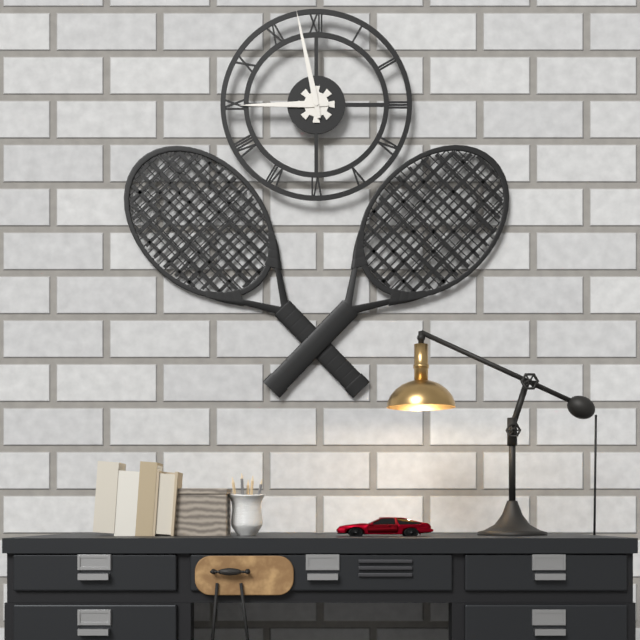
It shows {"hour": 8, "minute": 58}
